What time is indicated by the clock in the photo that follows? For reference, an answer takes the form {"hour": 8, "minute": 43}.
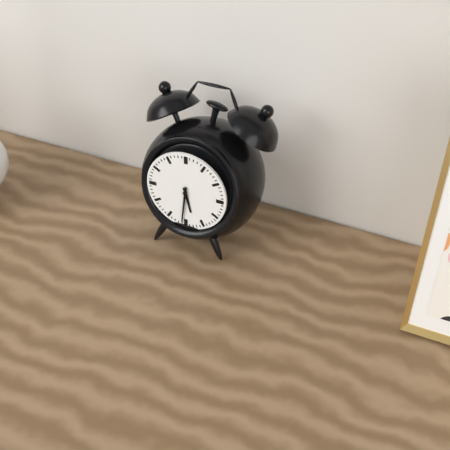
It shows {"hour": 5, "minute": 31}
